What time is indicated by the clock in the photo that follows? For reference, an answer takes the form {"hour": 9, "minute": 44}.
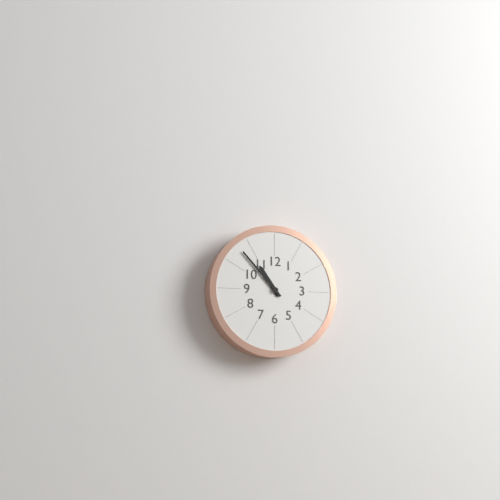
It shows {"hour": 10, "minute": 53}
